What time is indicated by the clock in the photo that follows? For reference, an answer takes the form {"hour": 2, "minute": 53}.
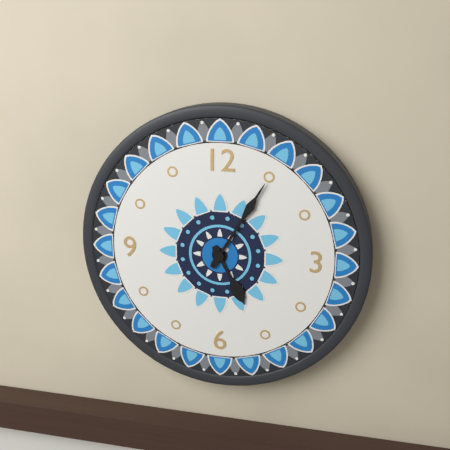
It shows {"hour": 5, "minute": 5}
